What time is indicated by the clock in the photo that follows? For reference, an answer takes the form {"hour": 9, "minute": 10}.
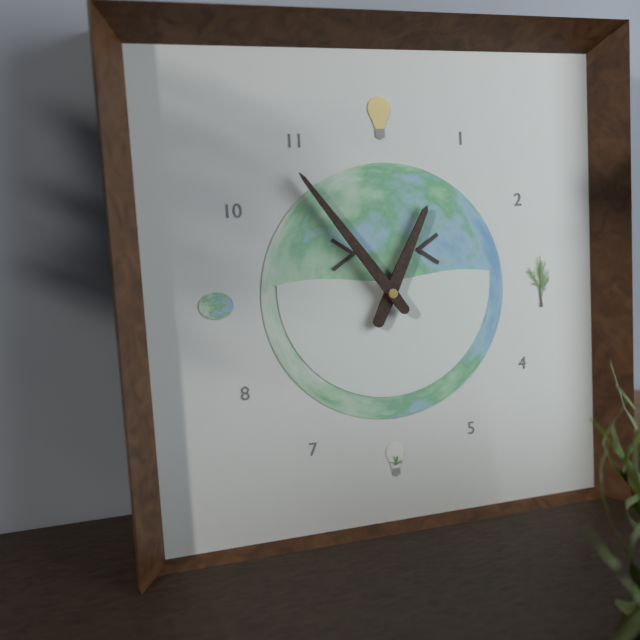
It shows {"hour": 12, "minute": 54}
